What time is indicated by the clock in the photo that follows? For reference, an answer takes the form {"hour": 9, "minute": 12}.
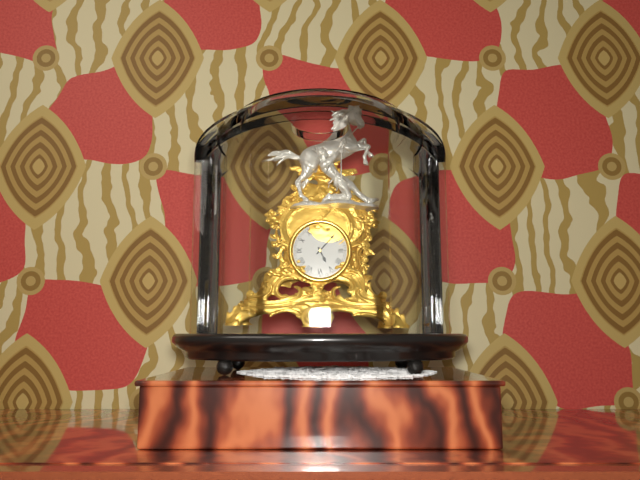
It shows {"hour": 5, "minute": 7}
